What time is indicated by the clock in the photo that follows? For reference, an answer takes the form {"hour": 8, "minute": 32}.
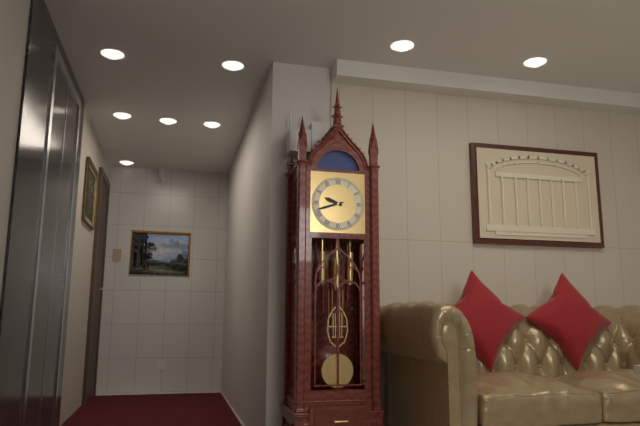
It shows {"hour": 9, "minute": 42}
